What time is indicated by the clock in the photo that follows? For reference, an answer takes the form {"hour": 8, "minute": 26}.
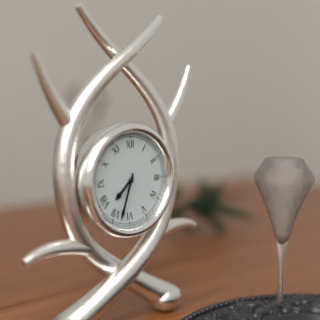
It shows {"hour": 7, "minute": 33}
